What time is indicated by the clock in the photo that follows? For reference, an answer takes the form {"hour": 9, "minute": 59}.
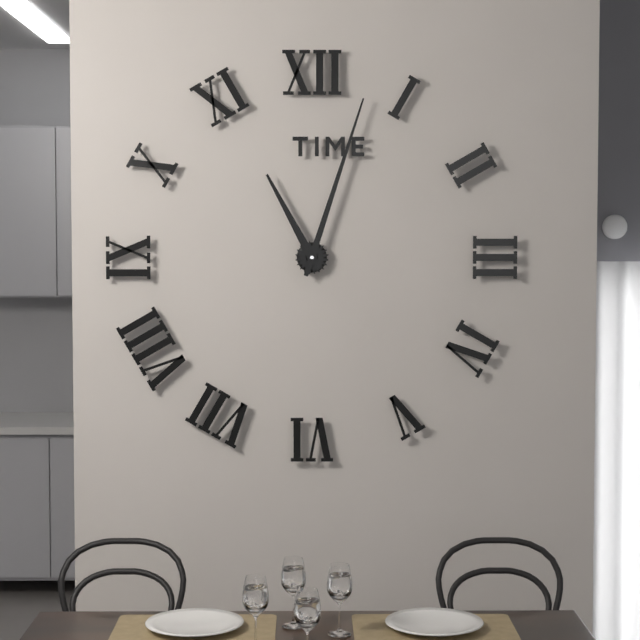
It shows {"hour": 11, "minute": 3}
